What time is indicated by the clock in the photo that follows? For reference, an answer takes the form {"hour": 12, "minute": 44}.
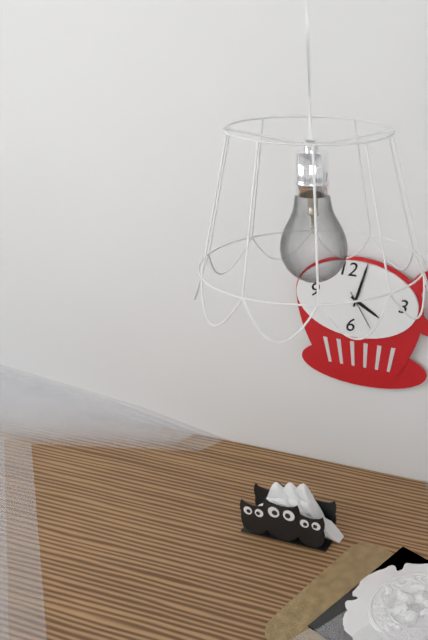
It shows {"hour": 4, "minute": 3}
